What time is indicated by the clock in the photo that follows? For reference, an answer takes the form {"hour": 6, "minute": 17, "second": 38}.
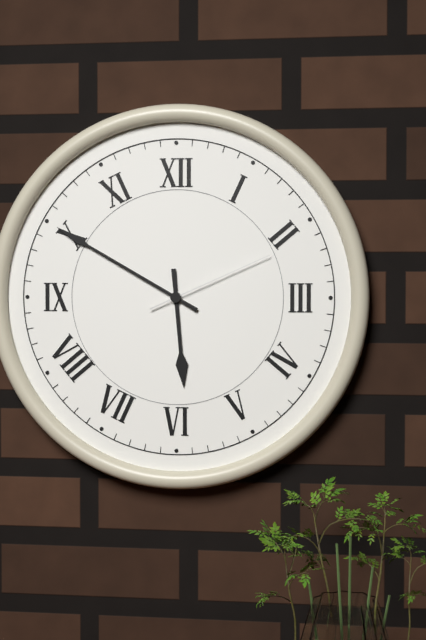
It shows {"hour": 5, "minute": 50, "second": 11}
